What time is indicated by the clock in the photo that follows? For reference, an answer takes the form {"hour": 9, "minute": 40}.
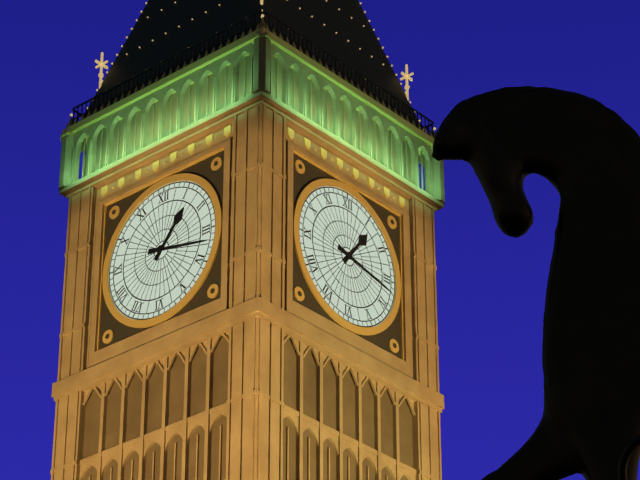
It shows {"hour": 1, "minute": 17}
